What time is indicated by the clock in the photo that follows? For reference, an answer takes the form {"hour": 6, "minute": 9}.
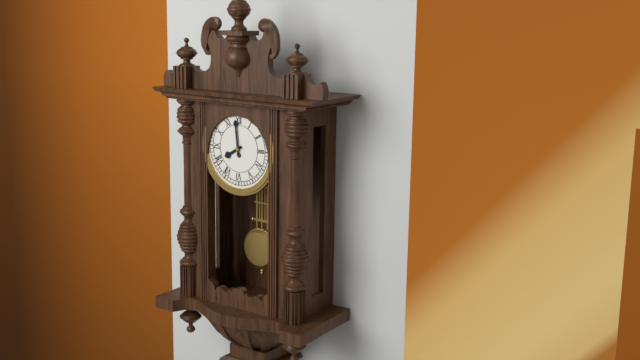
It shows {"hour": 7, "minute": 59}
